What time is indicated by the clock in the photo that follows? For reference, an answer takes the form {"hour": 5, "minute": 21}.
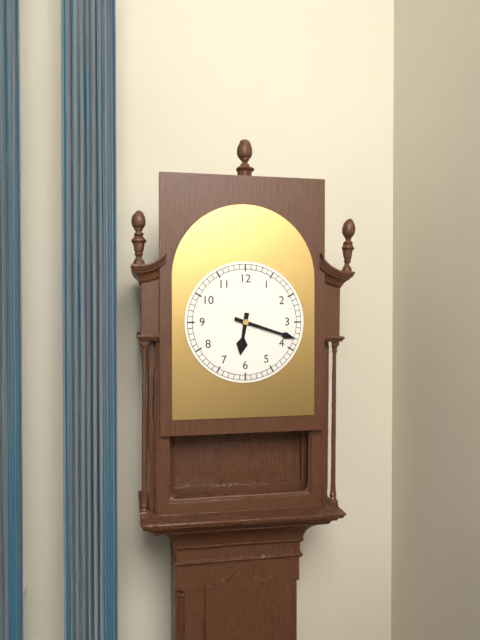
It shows {"hour": 6, "minute": 18}
